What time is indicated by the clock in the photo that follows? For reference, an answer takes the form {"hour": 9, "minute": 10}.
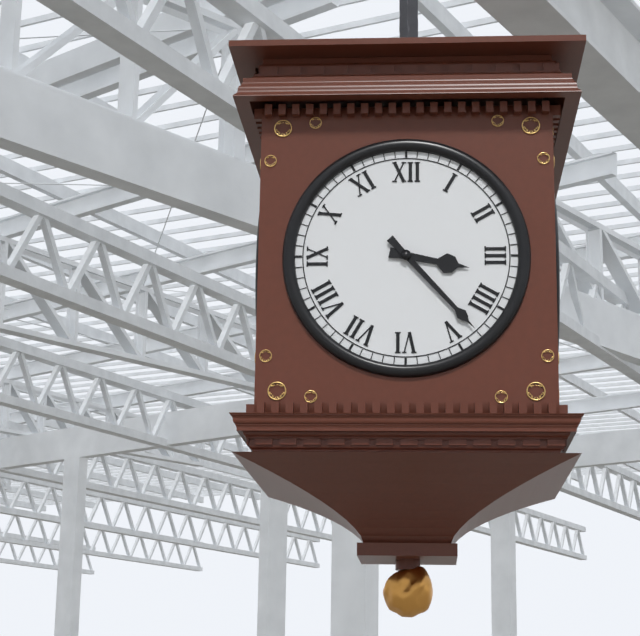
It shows {"hour": 3, "minute": 23}
